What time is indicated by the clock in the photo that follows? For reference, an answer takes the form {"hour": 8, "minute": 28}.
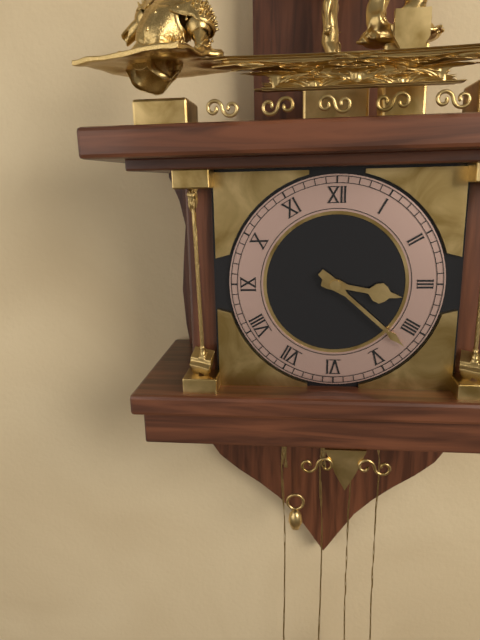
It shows {"hour": 3, "minute": 22}
